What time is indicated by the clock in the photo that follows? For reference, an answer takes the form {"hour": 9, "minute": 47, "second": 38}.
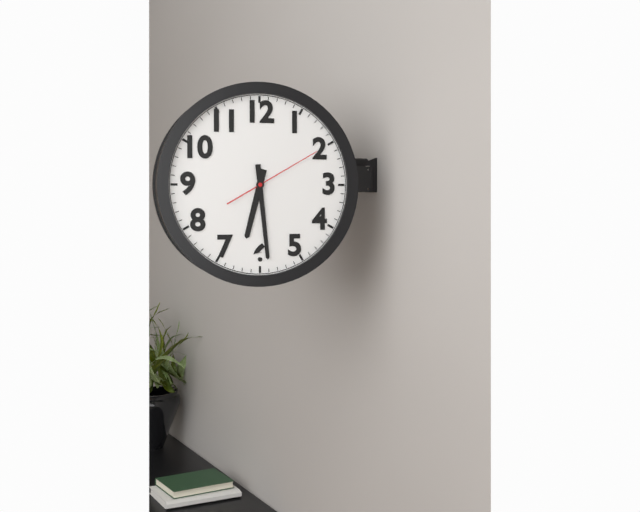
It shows {"hour": 6, "minute": 29, "second": 10}
